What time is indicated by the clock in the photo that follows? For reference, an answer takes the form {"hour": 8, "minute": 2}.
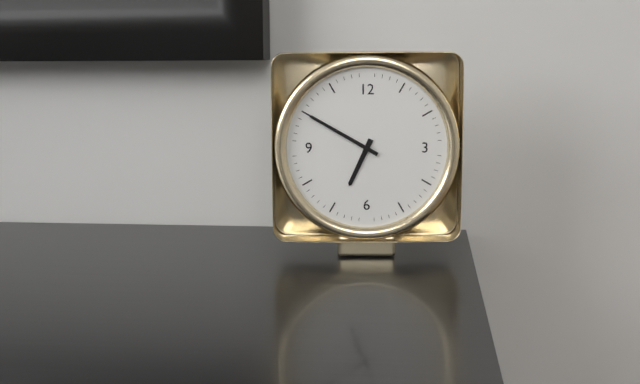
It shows {"hour": 6, "minute": 50}
